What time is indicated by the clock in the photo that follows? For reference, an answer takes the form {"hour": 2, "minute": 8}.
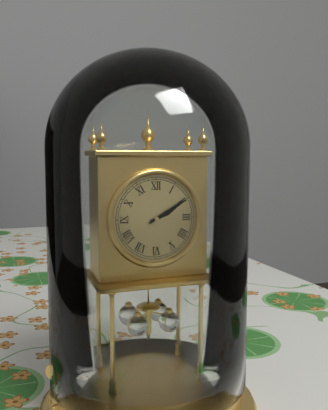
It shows {"hour": 2, "minute": 10}
